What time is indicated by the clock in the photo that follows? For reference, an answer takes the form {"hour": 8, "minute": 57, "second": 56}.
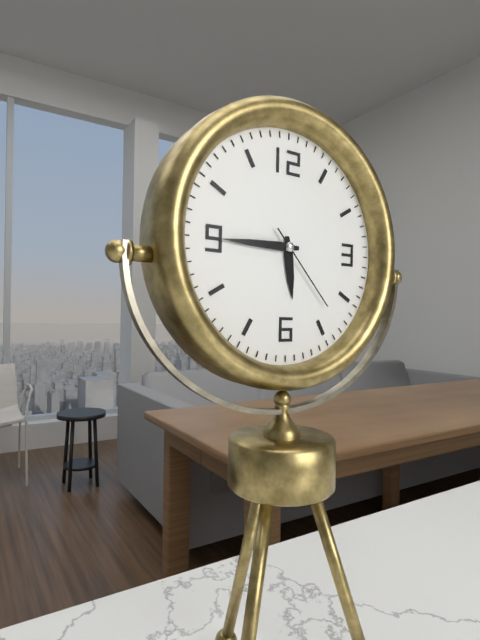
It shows {"hour": 5, "minute": 45, "second": 23}
